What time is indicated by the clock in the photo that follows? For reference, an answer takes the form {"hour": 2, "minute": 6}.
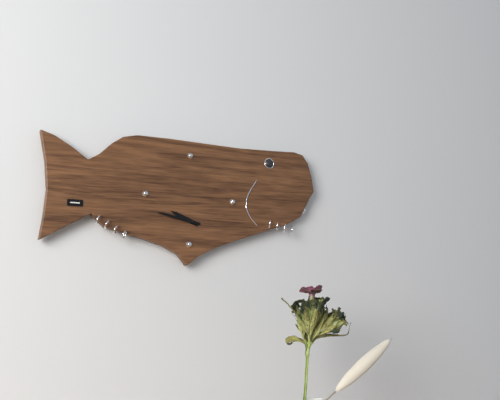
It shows {"hour": 9, "minute": 47}
